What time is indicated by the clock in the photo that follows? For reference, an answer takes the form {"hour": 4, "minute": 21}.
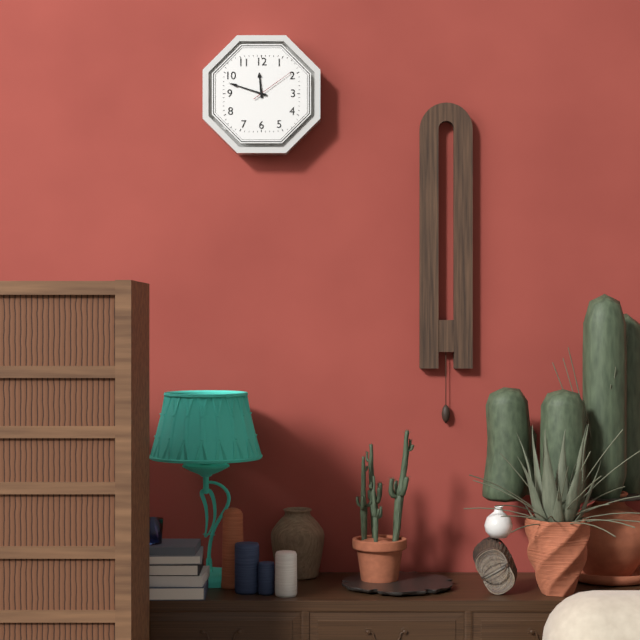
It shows {"hour": 11, "minute": 48}
